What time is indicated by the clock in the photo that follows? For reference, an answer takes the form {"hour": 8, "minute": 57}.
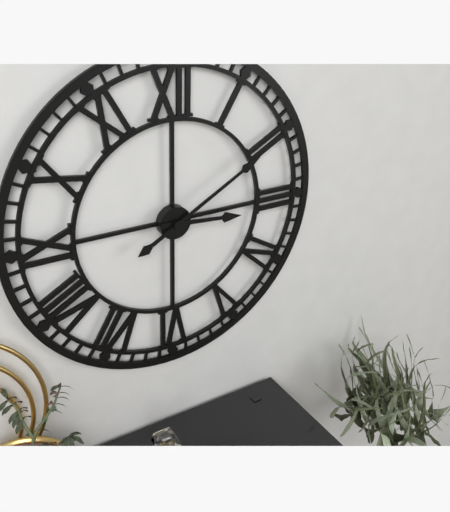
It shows {"hour": 3, "minute": 10}
